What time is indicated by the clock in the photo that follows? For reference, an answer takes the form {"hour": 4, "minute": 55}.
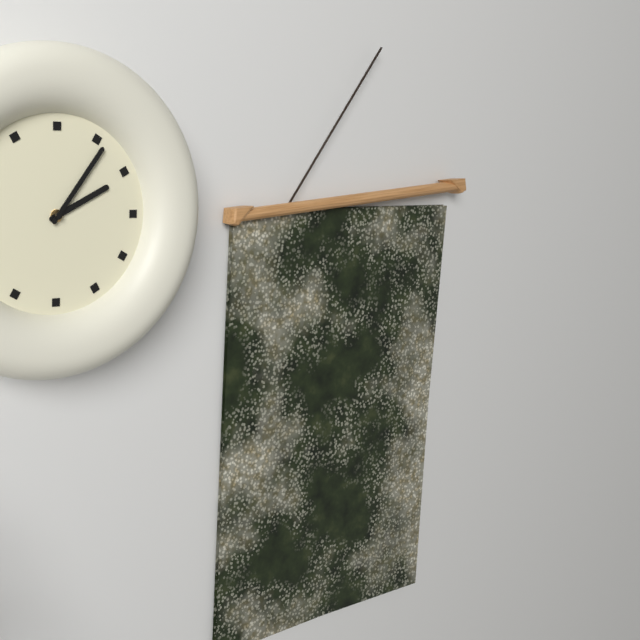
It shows {"hour": 2, "minute": 6}
